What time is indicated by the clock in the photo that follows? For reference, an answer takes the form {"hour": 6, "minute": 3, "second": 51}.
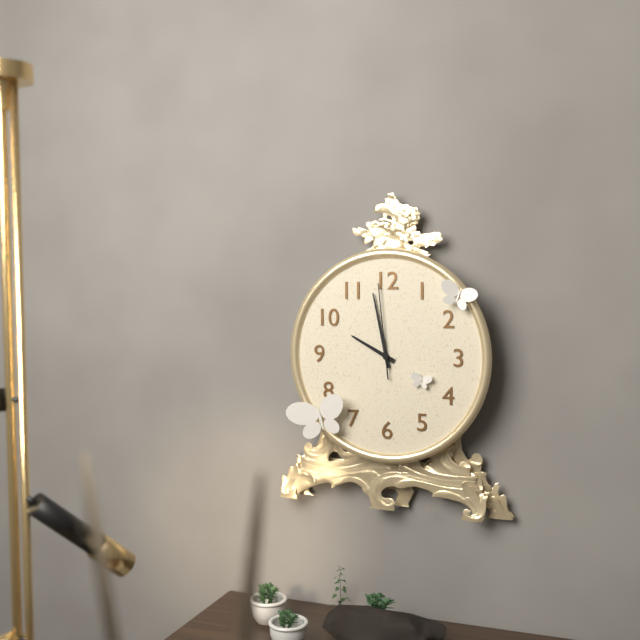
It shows {"hour": 9, "minute": 58, "second": 59}
